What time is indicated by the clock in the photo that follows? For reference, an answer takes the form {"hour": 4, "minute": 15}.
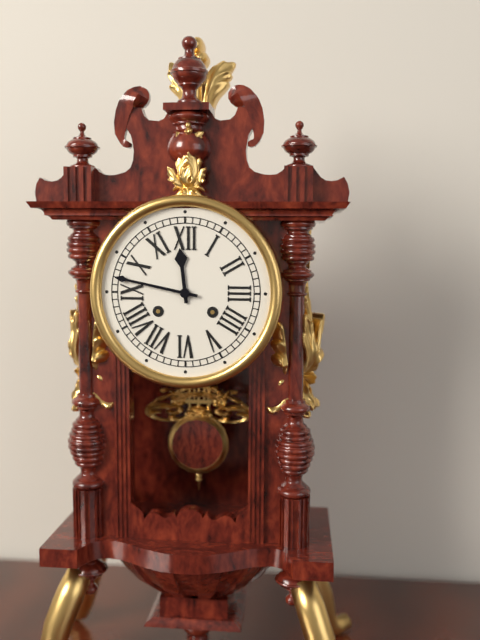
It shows {"hour": 11, "minute": 47}
